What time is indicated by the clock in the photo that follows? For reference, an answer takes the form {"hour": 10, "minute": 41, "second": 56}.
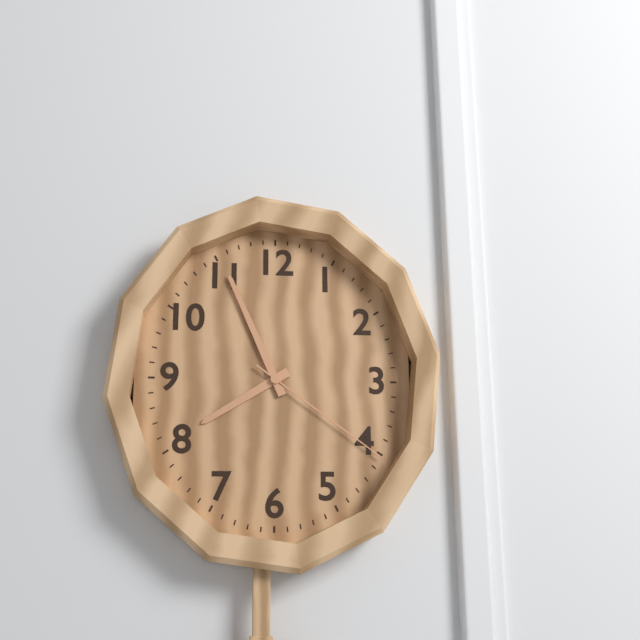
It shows {"hour": 7, "minute": 56, "second": 21}
